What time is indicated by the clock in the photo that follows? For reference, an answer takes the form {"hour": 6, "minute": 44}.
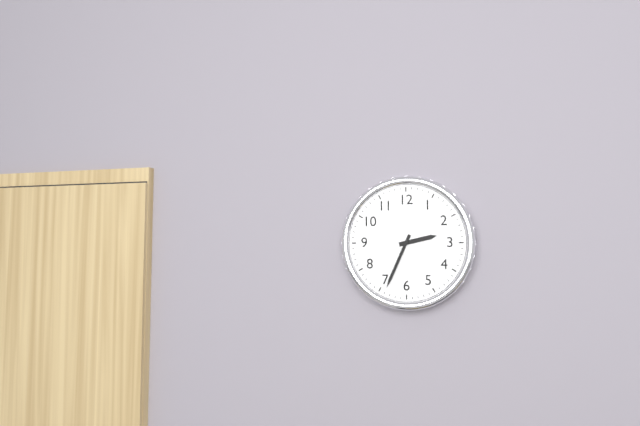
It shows {"hour": 2, "minute": 34}
